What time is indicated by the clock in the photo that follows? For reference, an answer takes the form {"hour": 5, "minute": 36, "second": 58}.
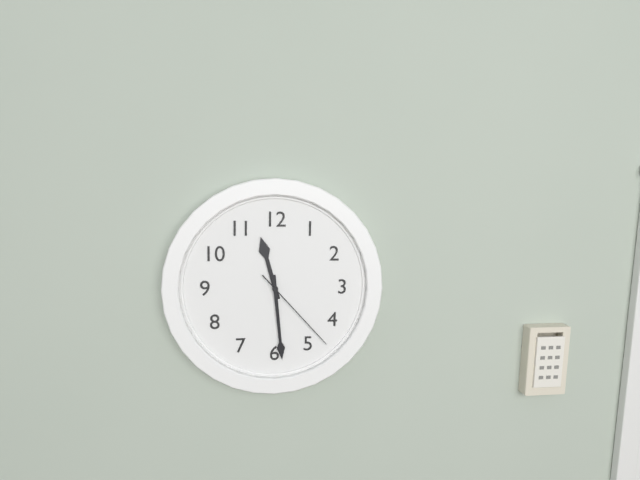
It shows {"hour": 11, "minute": 29, "second": 23}
